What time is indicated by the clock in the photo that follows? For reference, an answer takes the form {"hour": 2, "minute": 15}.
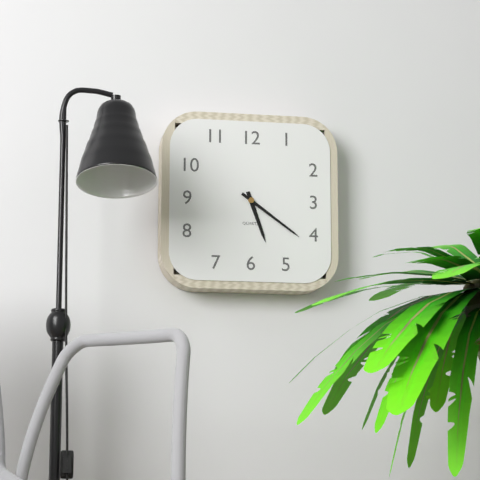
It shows {"hour": 5, "minute": 21}
